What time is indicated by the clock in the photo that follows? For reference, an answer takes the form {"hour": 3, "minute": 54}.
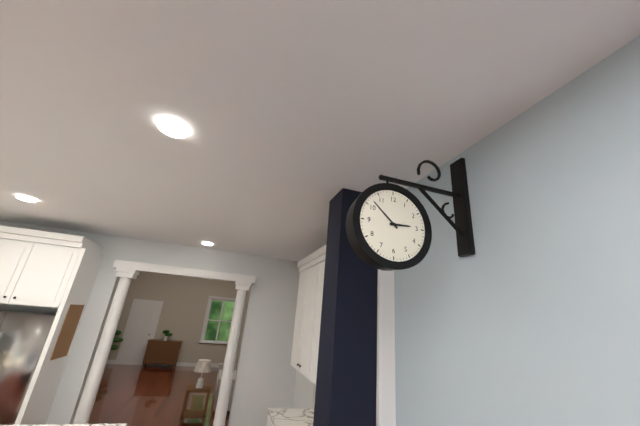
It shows {"hour": 2, "minute": 52}
